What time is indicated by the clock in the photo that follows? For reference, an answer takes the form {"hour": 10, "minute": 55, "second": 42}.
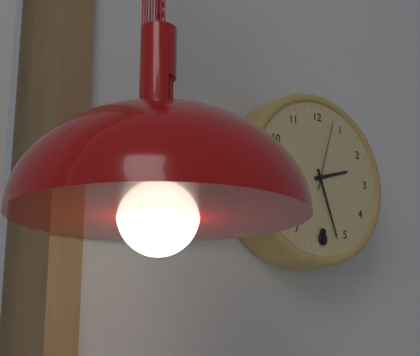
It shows {"hour": 2, "minute": 27, "second": 3}
